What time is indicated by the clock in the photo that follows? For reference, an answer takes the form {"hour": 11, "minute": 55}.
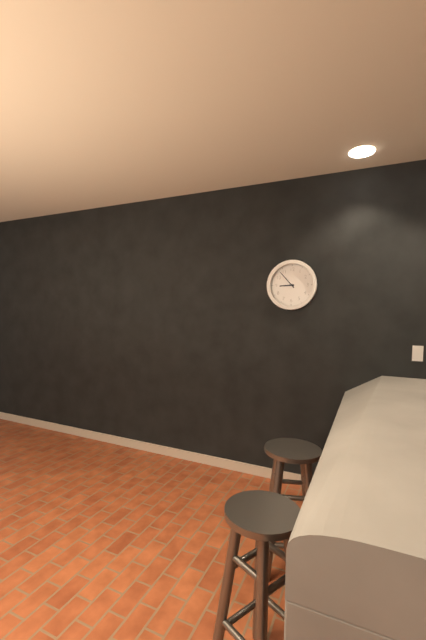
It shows {"hour": 8, "minute": 53}
